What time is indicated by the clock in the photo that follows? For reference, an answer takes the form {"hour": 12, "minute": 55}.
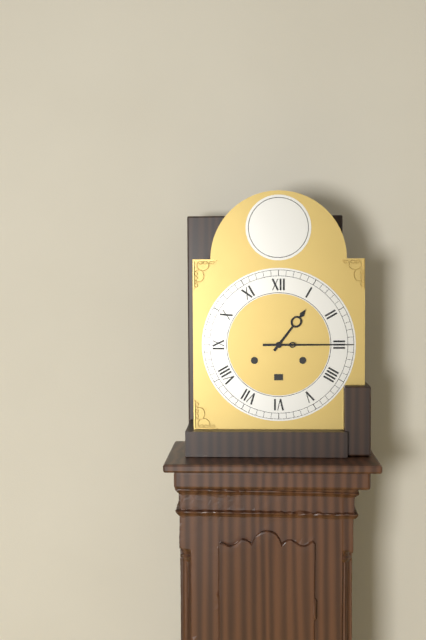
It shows {"hour": 1, "minute": 15}
